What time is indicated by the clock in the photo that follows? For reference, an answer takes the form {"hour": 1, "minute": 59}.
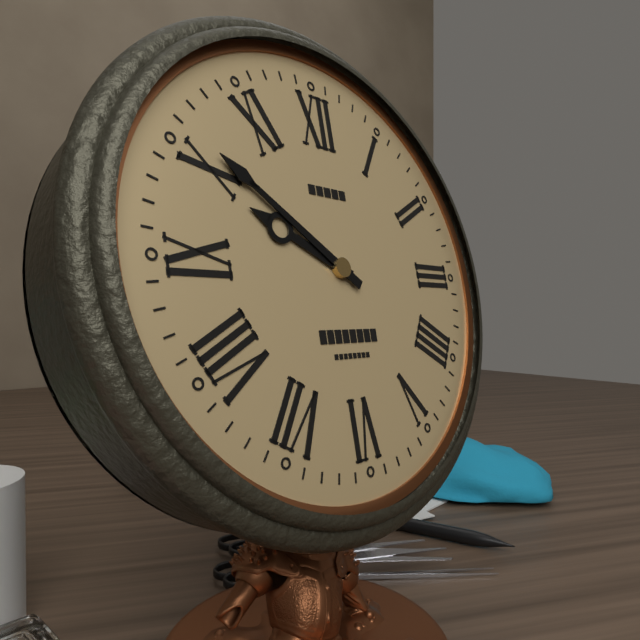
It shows {"hour": 9, "minute": 51}
